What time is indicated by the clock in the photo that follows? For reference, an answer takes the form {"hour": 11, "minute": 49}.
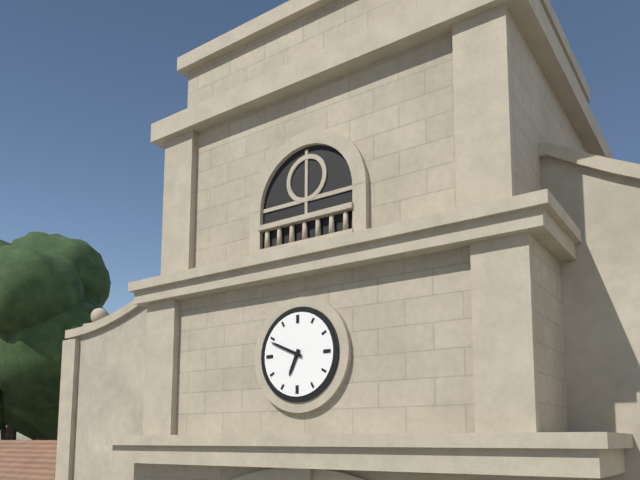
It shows {"hour": 6, "minute": 49}
